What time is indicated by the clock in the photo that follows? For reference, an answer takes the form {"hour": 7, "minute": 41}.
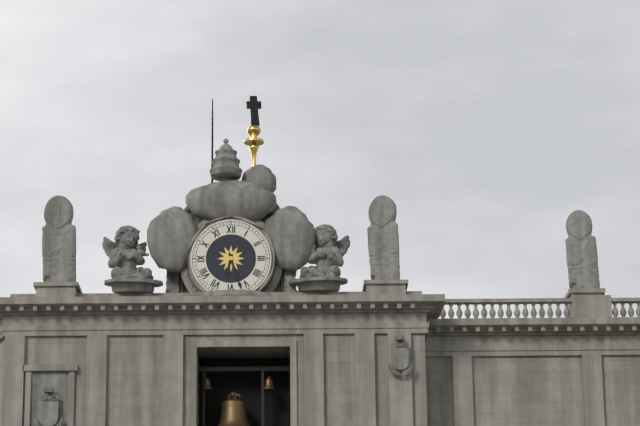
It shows {"hour": 6, "minute": 27}
